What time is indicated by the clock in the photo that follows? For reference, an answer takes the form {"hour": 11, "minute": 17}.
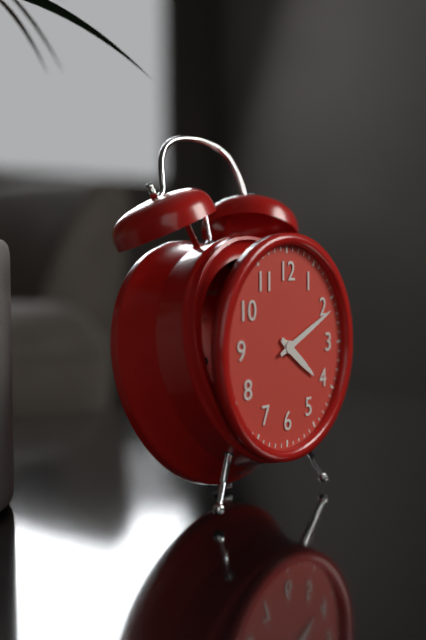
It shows {"hour": 4, "minute": 11}
